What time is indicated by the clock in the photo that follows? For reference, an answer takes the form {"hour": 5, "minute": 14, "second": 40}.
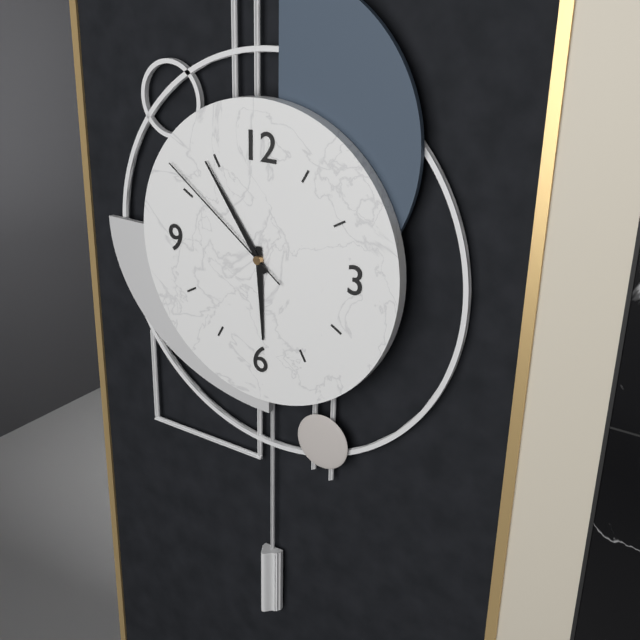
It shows {"hour": 5, "minute": 54, "second": 51}
